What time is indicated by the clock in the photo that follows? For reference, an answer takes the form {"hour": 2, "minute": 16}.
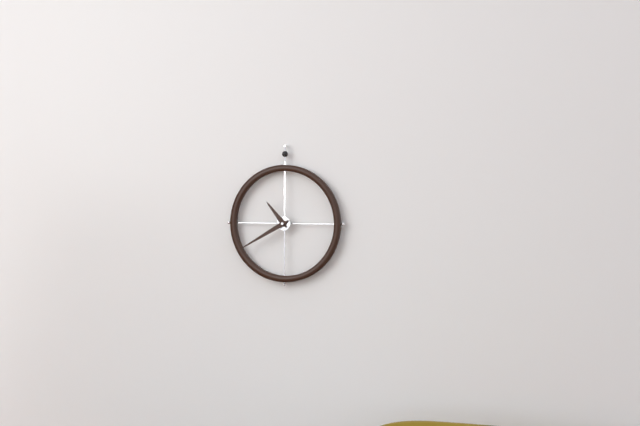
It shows {"hour": 10, "minute": 40}
